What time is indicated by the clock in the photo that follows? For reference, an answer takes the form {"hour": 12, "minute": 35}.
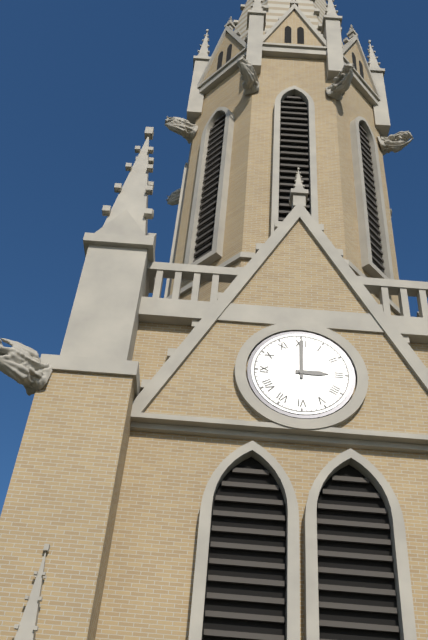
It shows {"hour": 3, "minute": 0}
